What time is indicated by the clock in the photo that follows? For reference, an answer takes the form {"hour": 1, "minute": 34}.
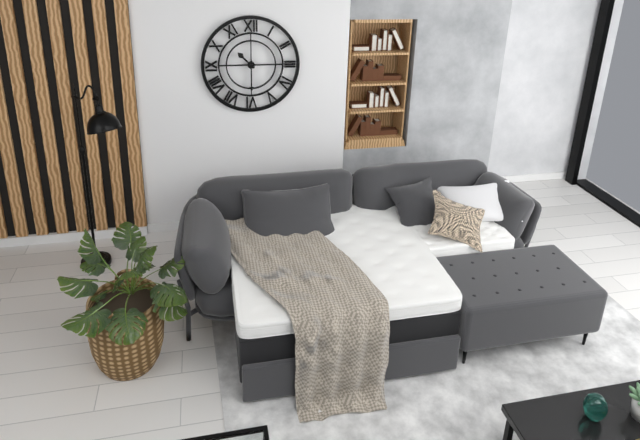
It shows {"hour": 10, "minute": 30}
